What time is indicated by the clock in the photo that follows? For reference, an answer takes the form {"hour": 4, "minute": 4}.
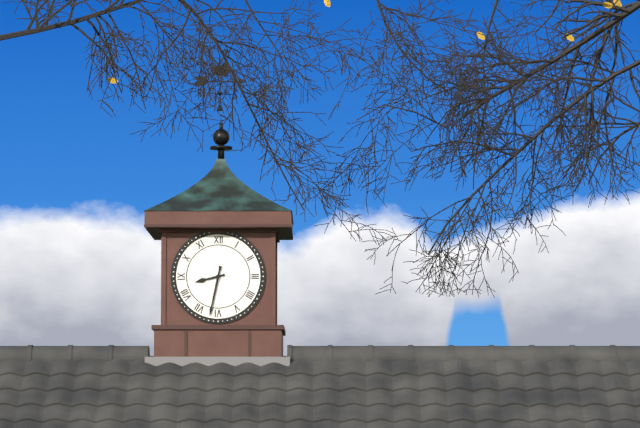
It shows {"hour": 8, "minute": 32}
